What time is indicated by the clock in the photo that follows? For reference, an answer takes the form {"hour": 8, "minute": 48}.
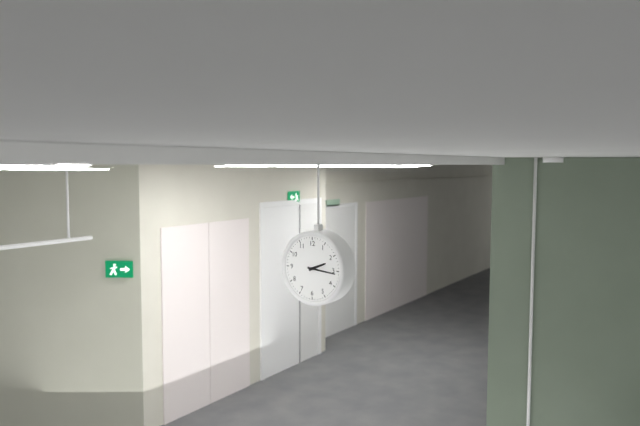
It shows {"hour": 2, "minute": 16}
